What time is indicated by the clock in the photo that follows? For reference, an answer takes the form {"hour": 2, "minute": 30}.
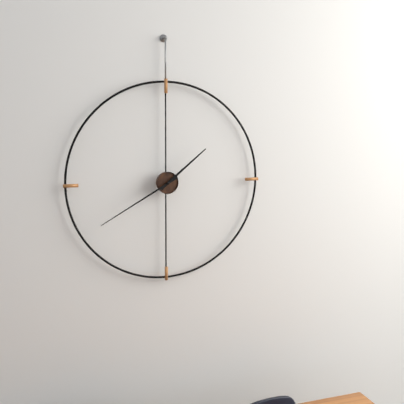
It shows {"hour": 1, "minute": 40}
